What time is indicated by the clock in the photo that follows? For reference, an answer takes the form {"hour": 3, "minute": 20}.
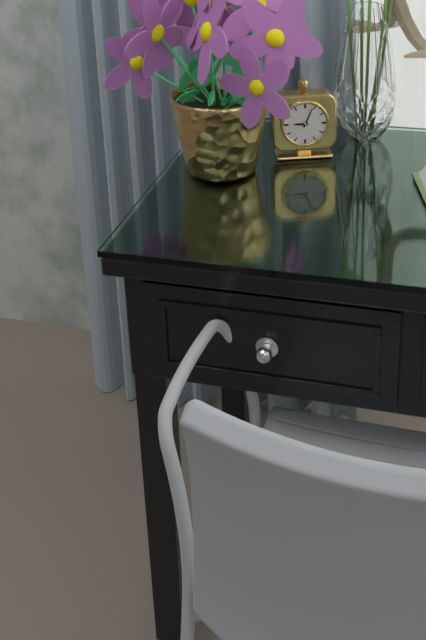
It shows {"hour": 9, "minute": 4}
